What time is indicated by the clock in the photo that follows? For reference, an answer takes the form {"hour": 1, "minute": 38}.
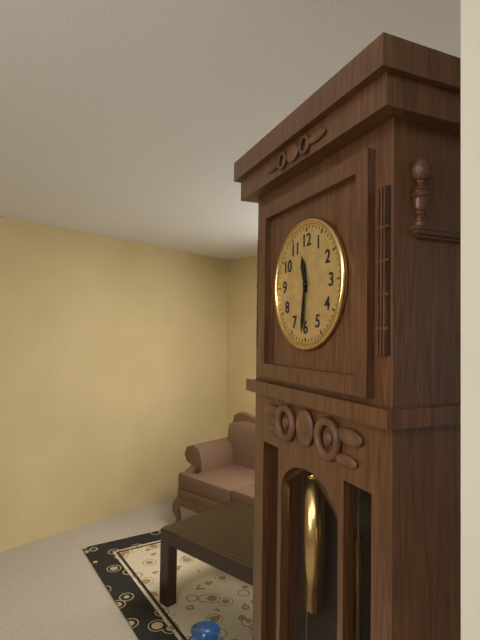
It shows {"hour": 11, "minute": 31}
